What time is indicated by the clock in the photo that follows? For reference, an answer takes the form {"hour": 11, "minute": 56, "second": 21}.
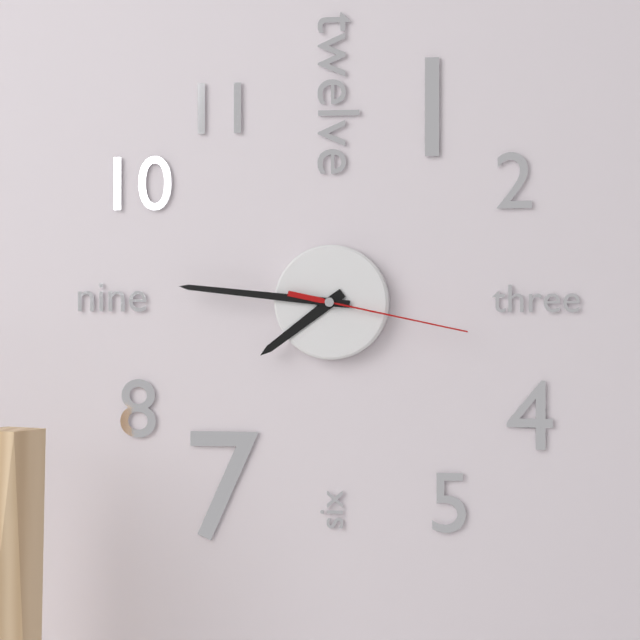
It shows {"hour": 7, "minute": 46, "second": 17}
